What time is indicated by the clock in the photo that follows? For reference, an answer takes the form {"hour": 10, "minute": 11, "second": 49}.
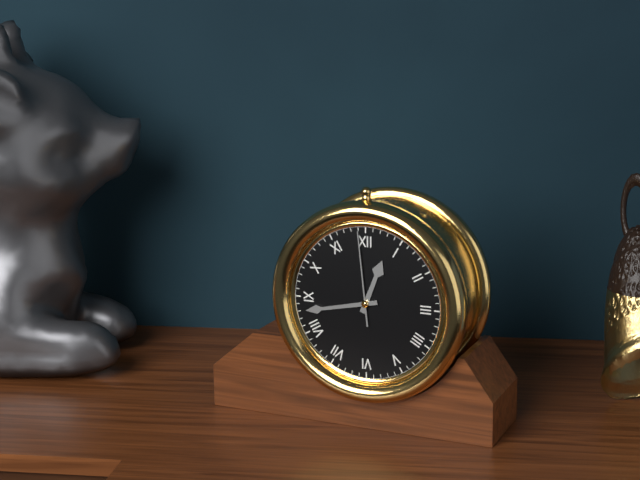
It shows {"hour": 12, "minute": 43, "second": 59}
